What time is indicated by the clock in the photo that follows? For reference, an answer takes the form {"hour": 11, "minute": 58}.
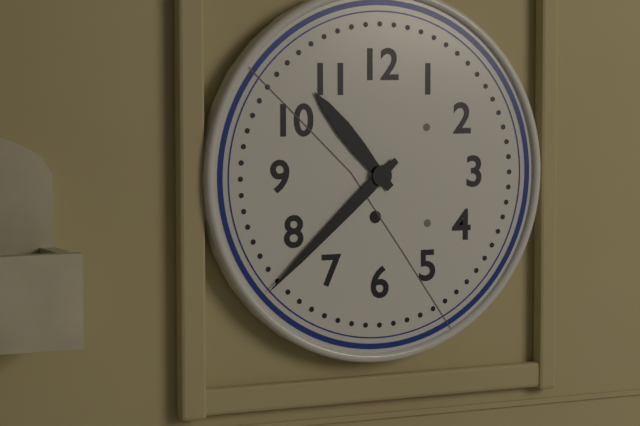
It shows {"hour": 10, "minute": 38}
